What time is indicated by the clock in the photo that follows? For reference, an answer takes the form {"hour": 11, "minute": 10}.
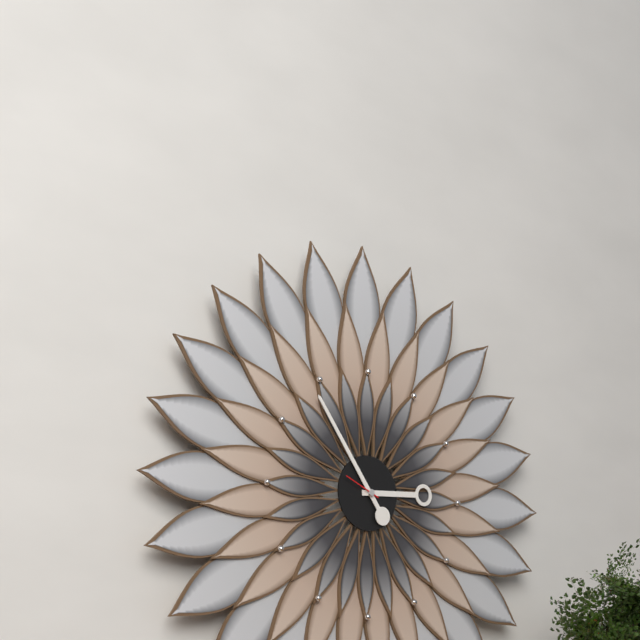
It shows {"hour": 2, "minute": 54}
